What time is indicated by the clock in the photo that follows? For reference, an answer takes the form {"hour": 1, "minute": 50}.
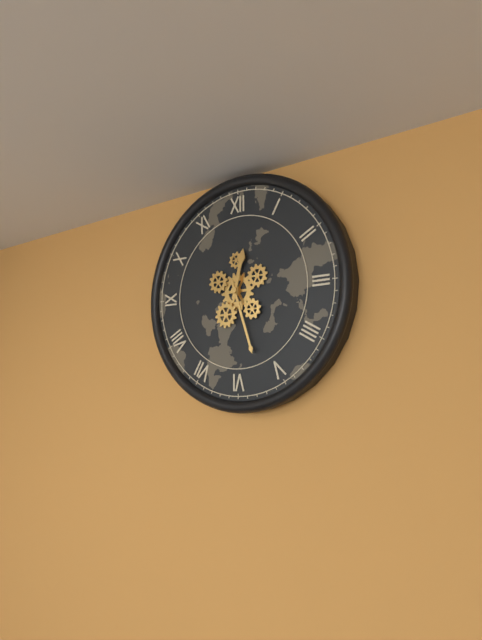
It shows {"hour": 12, "minute": 27}
